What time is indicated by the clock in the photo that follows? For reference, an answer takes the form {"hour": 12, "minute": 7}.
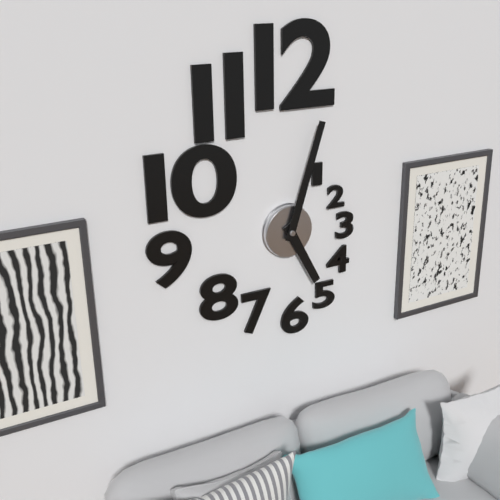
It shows {"hour": 5, "minute": 3}
